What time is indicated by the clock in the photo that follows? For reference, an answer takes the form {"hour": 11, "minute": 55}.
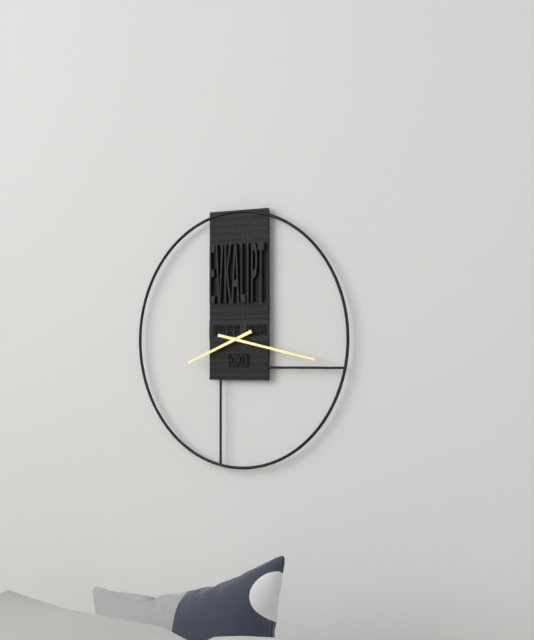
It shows {"hour": 8, "minute": 17}
